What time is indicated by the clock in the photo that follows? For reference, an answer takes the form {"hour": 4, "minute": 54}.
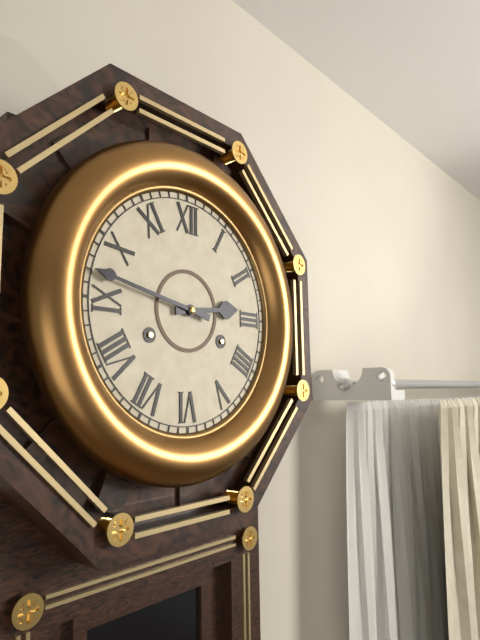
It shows {"hour": 2, "minute": 47}
